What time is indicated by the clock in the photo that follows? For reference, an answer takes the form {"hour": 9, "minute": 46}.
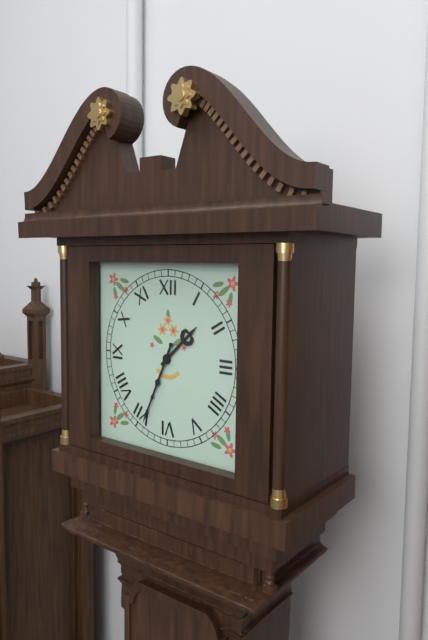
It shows {"hour": 1, "minute": 34}
